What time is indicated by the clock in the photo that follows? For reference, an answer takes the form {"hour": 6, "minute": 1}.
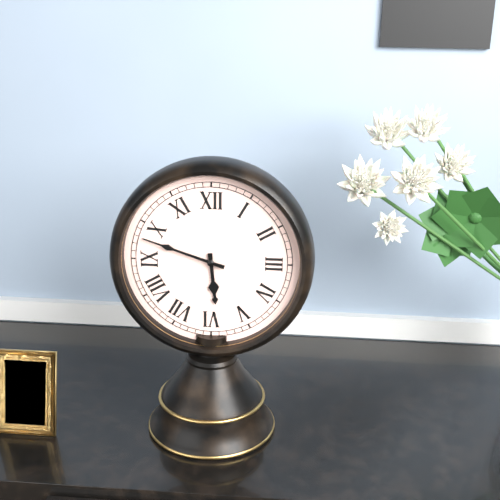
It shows {"hour": 5, "minute": 48}
